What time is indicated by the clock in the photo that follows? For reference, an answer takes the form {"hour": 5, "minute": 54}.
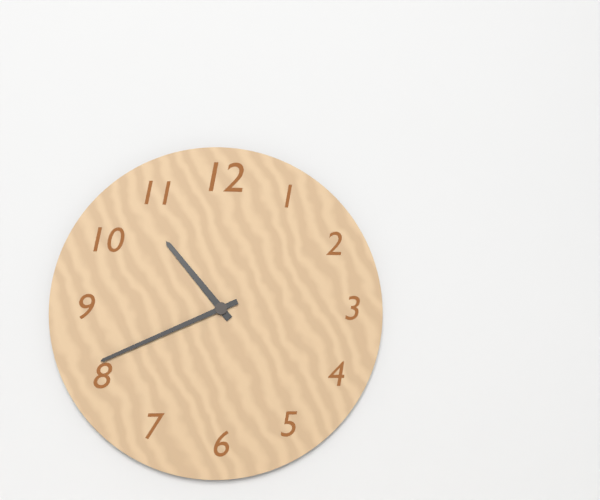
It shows {"hour": 10, "minute": 41}
